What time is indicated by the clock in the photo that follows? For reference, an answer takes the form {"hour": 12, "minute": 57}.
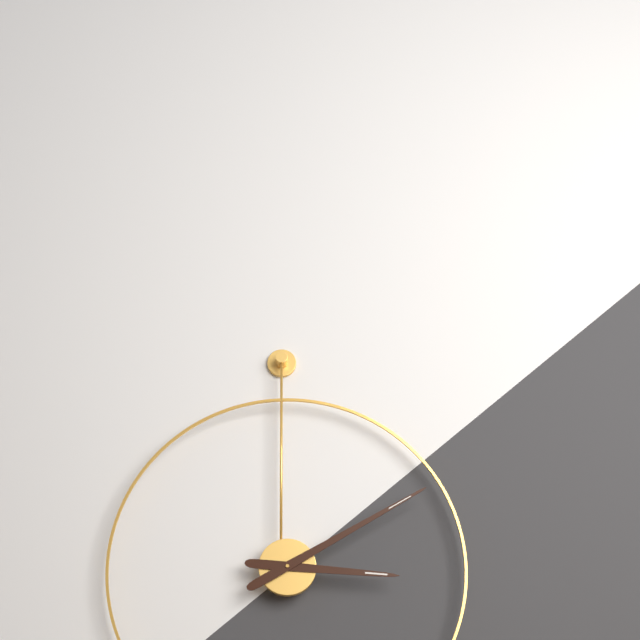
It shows {"hour": 3, "minute": 10}
